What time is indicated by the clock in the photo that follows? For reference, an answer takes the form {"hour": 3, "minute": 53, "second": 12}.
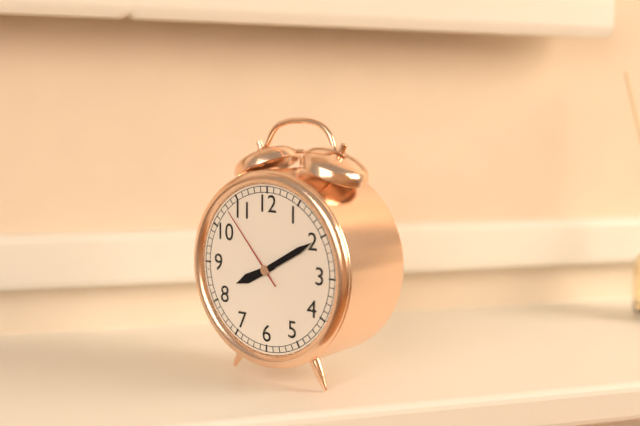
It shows {"hour": 8, "minute": 10, "second": 53}
